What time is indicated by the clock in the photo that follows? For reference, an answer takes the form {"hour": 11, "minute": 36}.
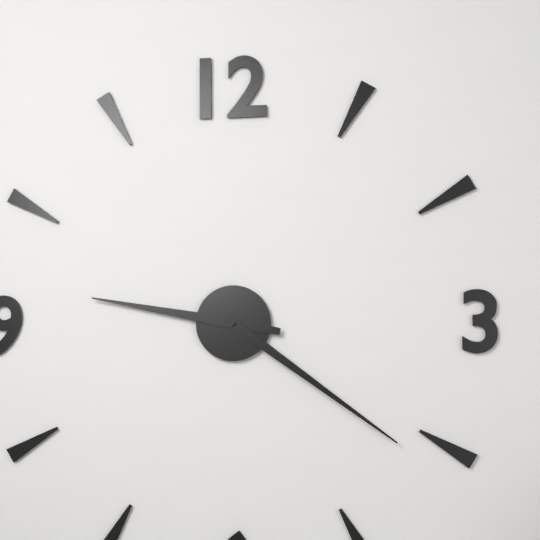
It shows {"hour": 9, "minute": 21}
